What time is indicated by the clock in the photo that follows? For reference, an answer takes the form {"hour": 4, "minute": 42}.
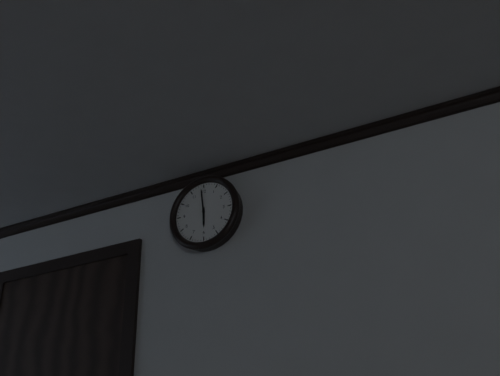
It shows {"hour": 5, "minute": 59}
